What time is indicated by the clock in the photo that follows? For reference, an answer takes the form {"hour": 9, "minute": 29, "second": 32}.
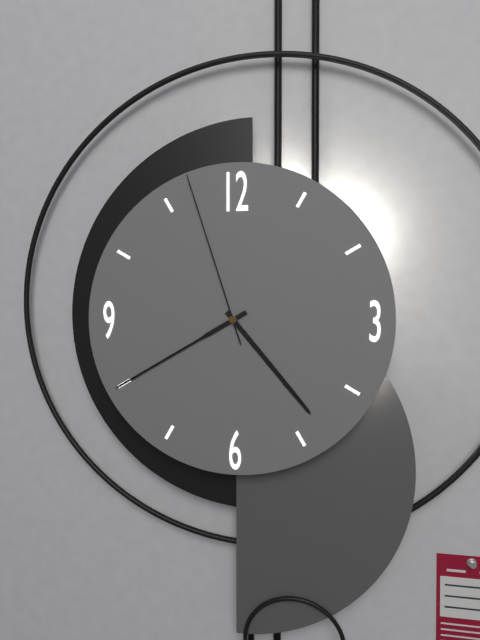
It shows {"hour": 4, "minute": 40, "second": 57}
